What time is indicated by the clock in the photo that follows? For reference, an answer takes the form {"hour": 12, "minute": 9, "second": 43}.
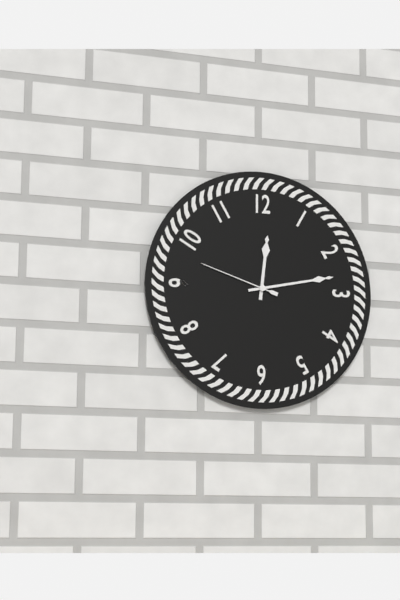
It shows {"hour": 12, "minute": 13, "second": 48}
